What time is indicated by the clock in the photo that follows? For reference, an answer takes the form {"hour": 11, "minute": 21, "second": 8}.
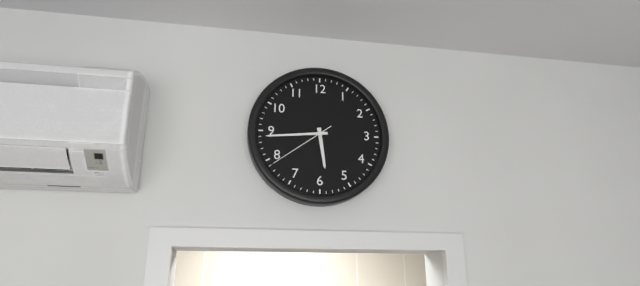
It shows {"hour": 5, "minute": 44, "second": 39}
